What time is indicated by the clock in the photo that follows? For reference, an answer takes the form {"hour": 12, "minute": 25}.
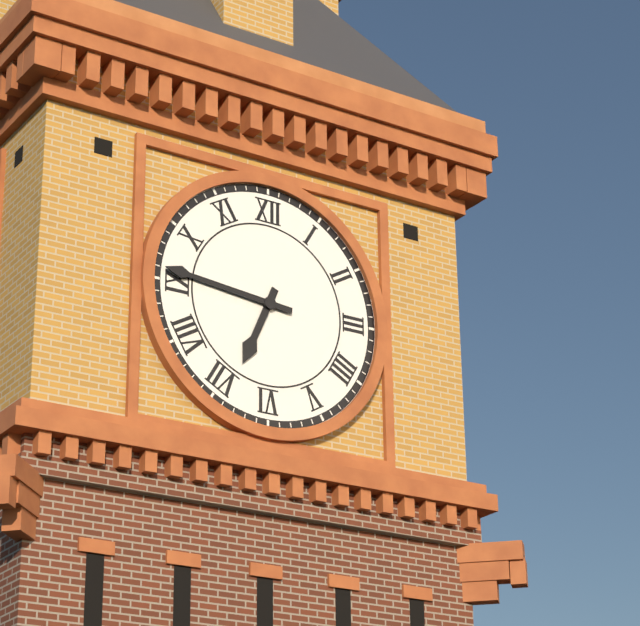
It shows {"hour": 6, "minute": 46}
